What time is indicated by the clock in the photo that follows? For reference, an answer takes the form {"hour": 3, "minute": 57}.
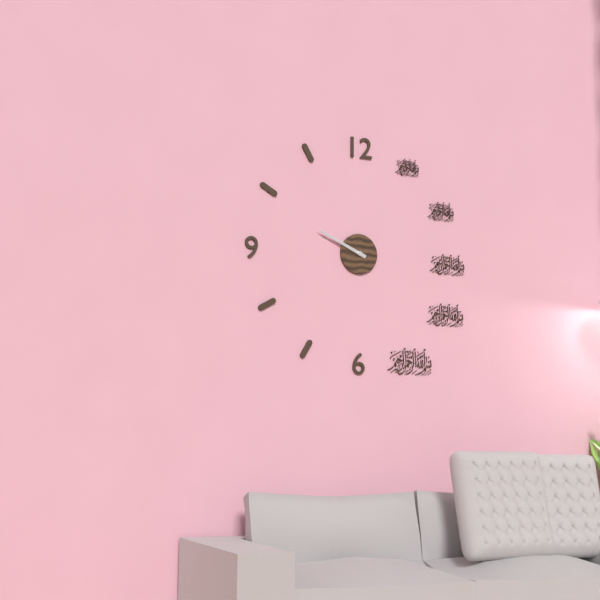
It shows {"hour": 9, "minute": 49}
